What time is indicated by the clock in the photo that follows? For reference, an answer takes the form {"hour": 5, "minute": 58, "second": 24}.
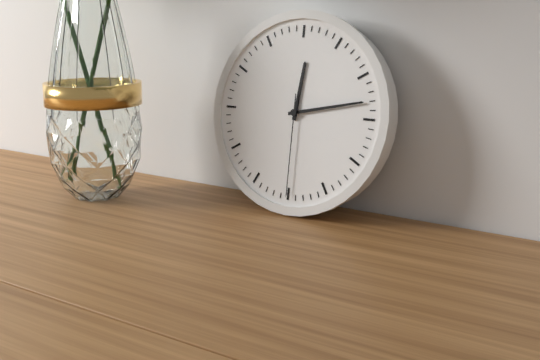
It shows {"hour": 12, "minute": 13, "second": 30}
